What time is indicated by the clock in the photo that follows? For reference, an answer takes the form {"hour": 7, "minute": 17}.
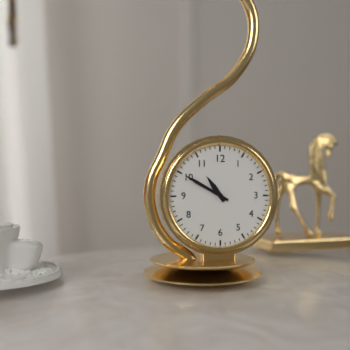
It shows {"hour": 10, "minute": 50}
